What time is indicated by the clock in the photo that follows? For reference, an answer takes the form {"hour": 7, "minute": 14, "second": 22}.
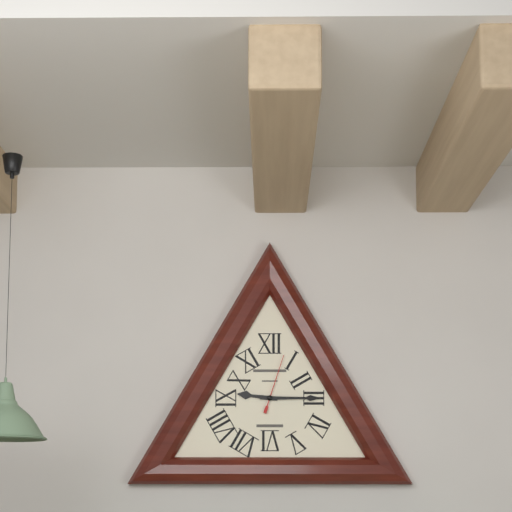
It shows {"hour": 9, "minute": 15, "second": 3}
